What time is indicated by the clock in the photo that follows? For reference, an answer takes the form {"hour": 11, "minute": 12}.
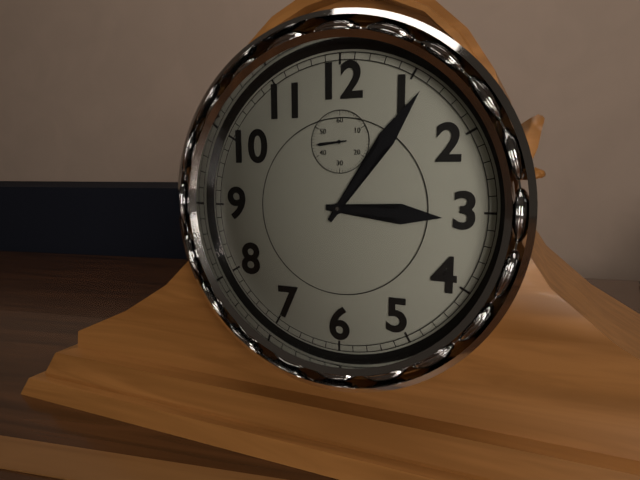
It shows {"hour": 3, "minute": 6}
